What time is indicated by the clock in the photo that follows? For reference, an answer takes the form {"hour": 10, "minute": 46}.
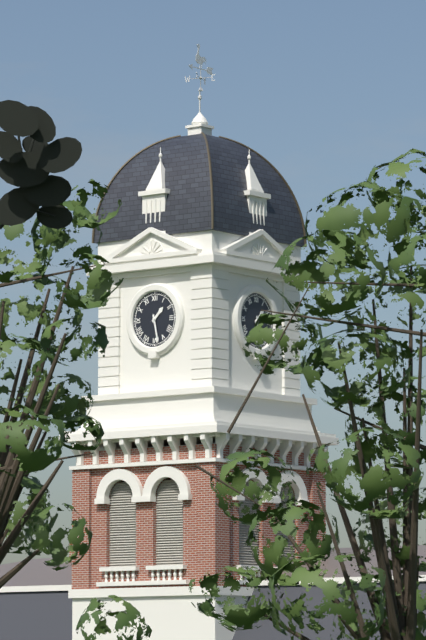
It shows {"hour": 1, "minute": 28}
